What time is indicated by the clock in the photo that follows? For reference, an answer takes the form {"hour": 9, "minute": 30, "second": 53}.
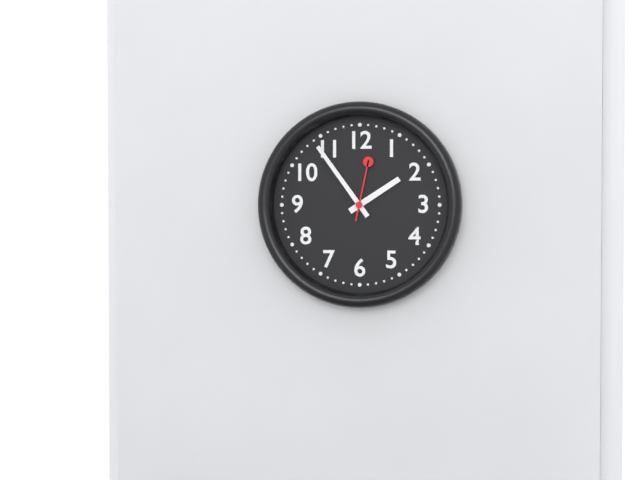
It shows {"hour": 1, "minute": 54, "second": 2}
